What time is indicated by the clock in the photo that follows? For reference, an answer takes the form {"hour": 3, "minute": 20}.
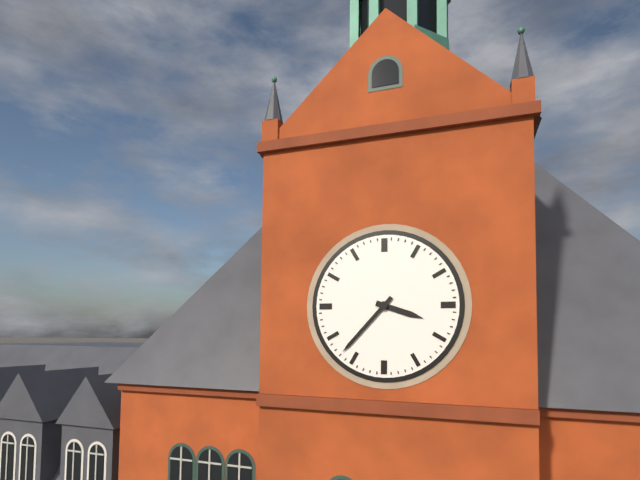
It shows {"hour": 3, "minute": 37}
